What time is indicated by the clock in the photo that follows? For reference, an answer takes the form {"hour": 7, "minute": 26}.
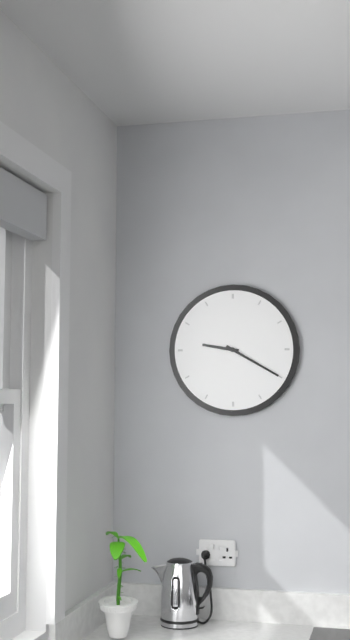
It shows {"hour": 9, "minute": 20}
